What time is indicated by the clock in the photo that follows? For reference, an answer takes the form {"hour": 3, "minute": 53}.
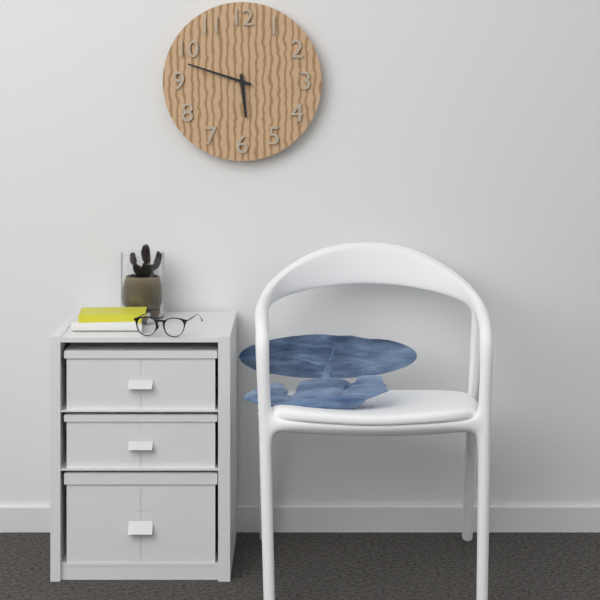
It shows {"hour": 5, "minute": 48}
